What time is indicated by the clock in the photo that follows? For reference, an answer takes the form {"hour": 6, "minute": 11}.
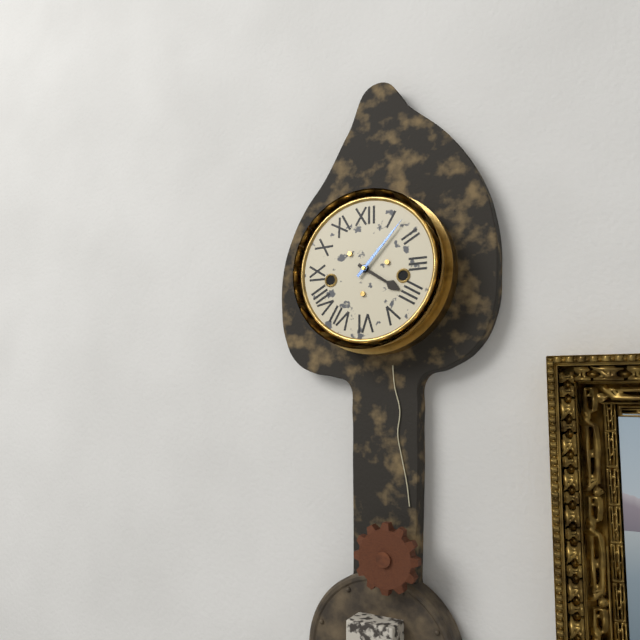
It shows {"hour": 4, "minute": 7}
